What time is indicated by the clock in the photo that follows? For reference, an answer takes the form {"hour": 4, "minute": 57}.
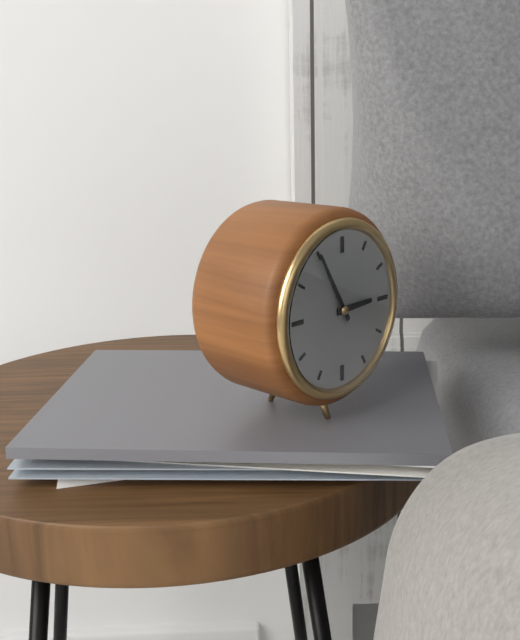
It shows {"hour": 2, "minute": 55}
